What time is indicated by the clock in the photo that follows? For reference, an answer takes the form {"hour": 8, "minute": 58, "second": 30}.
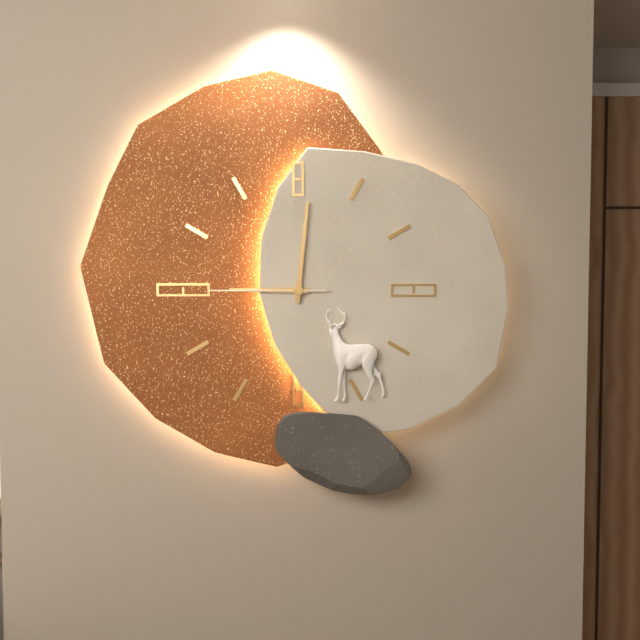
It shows {"hour": 9, "minute": 1, "second": 45}
